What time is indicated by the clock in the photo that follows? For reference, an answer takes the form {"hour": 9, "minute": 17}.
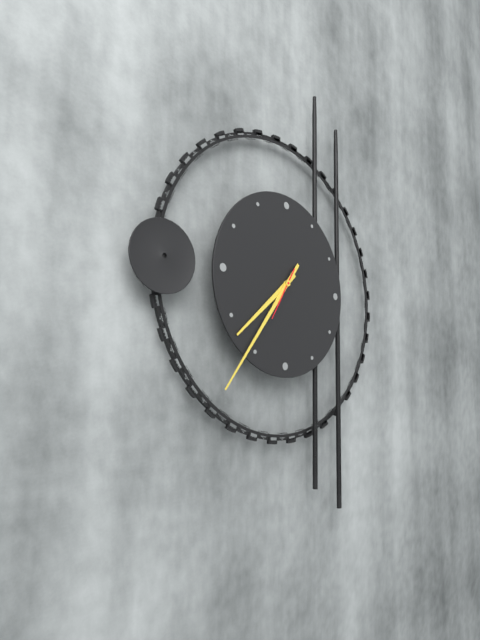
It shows {"hour": 7, "minute": 36}
